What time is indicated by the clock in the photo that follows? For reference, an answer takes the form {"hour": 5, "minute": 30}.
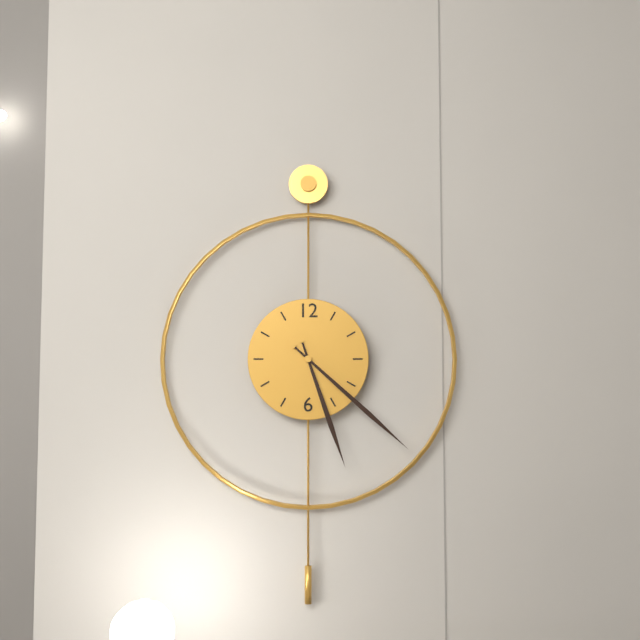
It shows {"hour": 5, "minute": 22}
